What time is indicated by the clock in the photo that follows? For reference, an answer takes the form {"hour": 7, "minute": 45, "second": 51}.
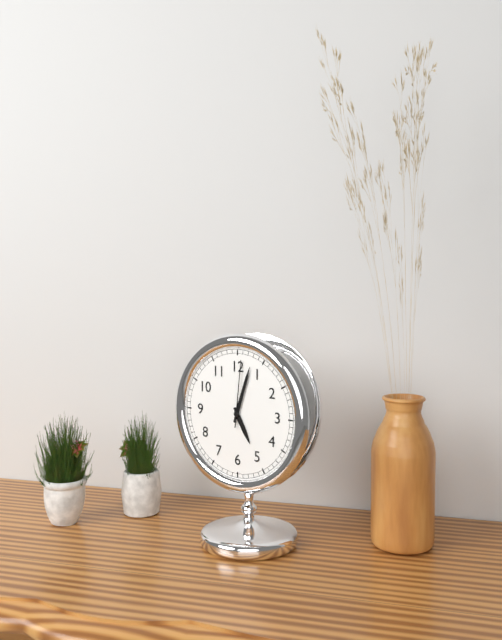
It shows {"hour": 5, "minute": 3, "second": 1}
